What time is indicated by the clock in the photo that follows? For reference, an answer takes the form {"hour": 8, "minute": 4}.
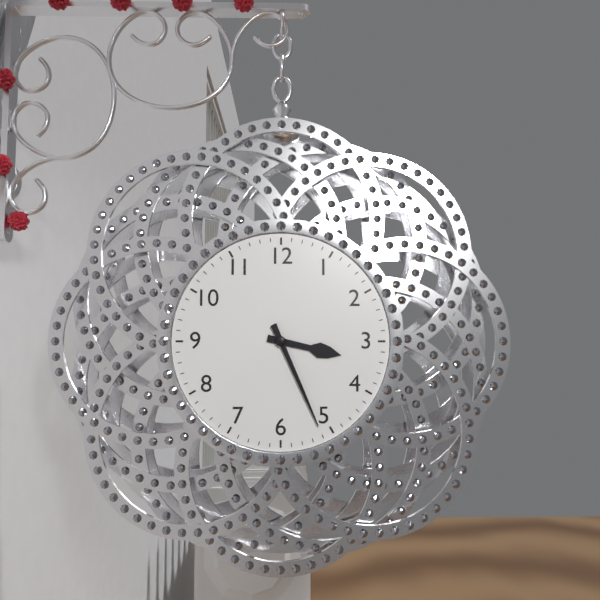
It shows {"hour": 3, "minute": 26}
